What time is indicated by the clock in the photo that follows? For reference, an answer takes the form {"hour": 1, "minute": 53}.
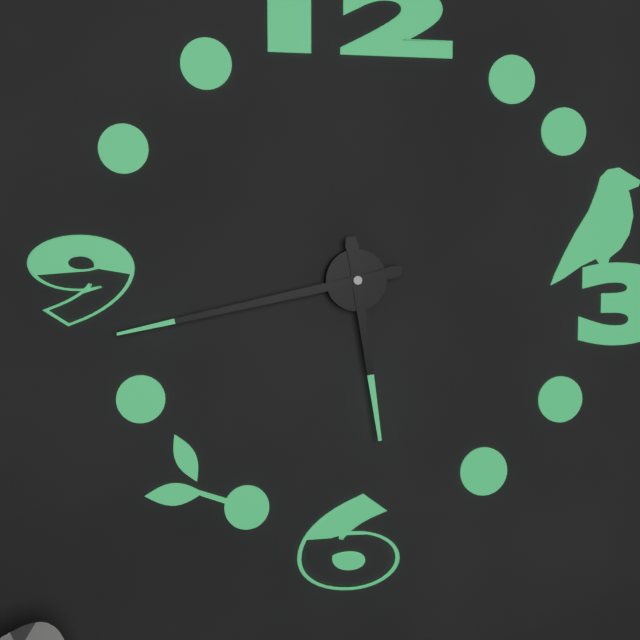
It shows {"hour": 5, "minute": 43}
